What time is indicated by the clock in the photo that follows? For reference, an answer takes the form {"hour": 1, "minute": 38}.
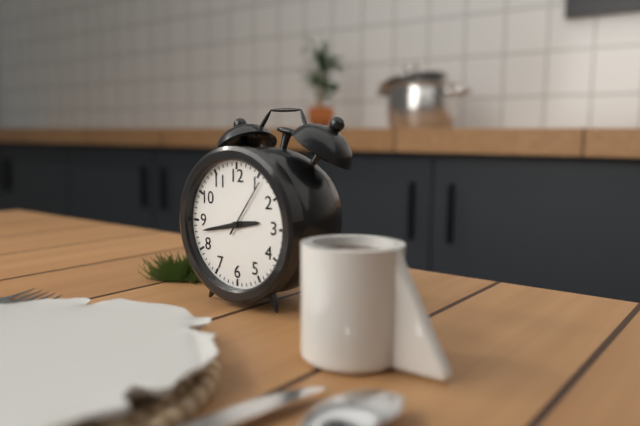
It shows {"hour": 2, "minute": 43}
